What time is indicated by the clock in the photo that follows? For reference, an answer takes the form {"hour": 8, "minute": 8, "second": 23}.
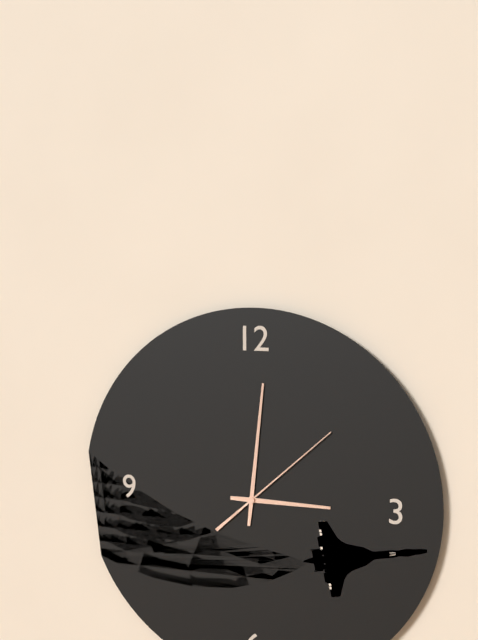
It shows {"hour": 3, "minute": 1, "second": 8}
